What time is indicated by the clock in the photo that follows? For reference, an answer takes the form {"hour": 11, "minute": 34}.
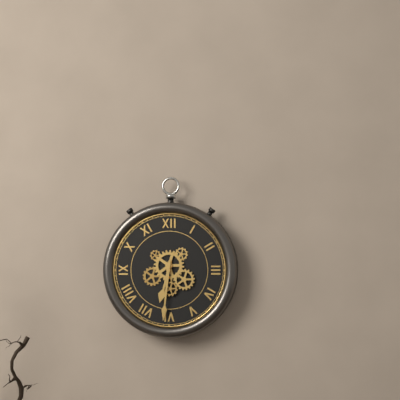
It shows {"hour": 6, "minute": 31}
